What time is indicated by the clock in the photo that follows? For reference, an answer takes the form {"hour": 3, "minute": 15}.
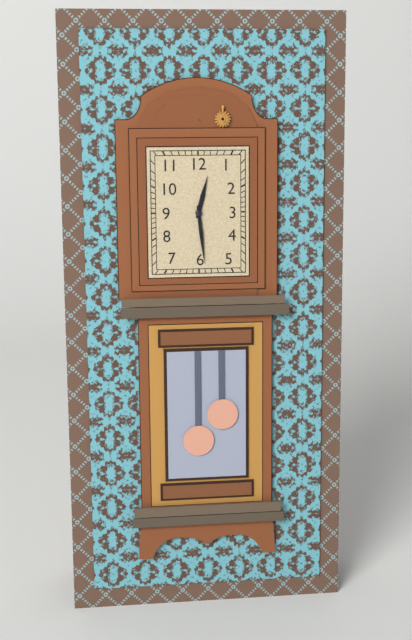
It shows {"hour": 12, "minute": 29}
